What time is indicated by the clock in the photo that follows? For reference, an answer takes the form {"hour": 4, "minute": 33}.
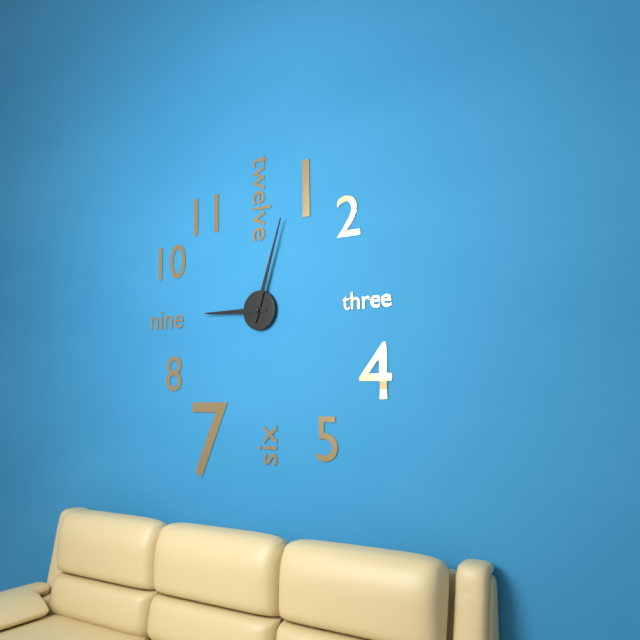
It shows {"hour": 9, "minute": 3}
